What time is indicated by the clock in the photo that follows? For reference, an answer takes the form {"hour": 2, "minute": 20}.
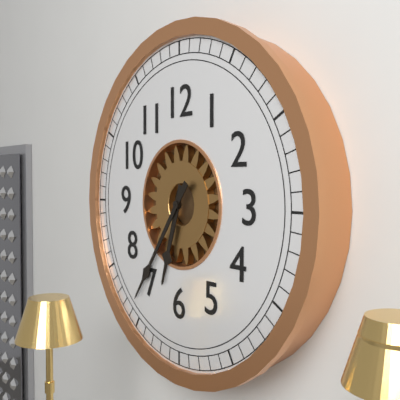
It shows {"hour": 6, "minute": 36}
